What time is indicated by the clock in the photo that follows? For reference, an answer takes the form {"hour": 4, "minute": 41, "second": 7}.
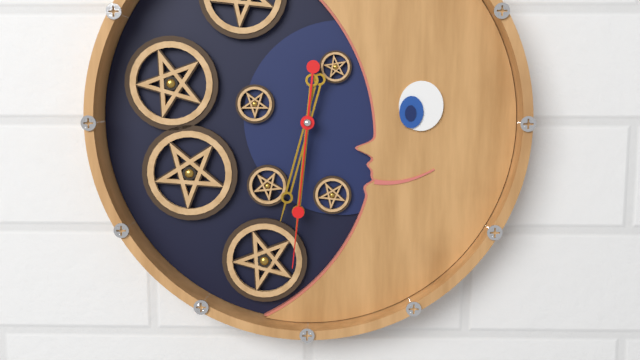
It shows {"hour": 6, "minute": 31, "second": 31}
